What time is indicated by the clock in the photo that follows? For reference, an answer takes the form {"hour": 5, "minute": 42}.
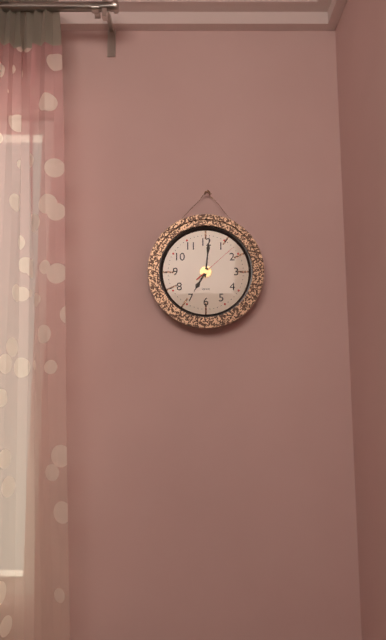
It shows {"hour": 7, "minute": 1}
